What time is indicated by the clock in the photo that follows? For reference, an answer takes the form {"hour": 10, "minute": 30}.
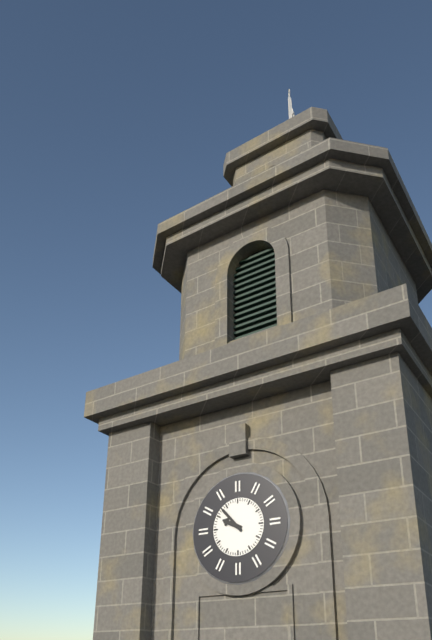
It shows {"hour": 9, "minute": 53}
